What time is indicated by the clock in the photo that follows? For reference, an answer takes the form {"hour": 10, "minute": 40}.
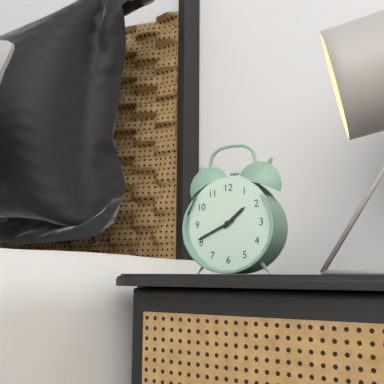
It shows {"hour": 1, "minute": 41}
